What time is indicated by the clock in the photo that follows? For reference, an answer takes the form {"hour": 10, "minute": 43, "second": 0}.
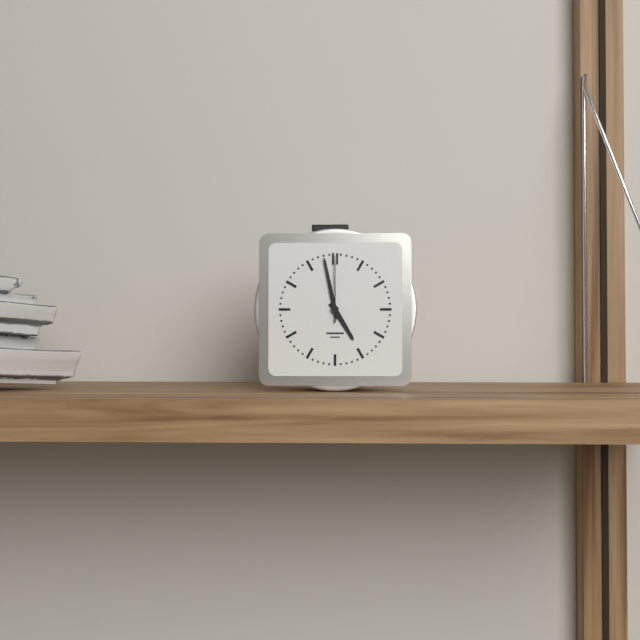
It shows {"hour": 4, "minute": 58, "second": 0}
